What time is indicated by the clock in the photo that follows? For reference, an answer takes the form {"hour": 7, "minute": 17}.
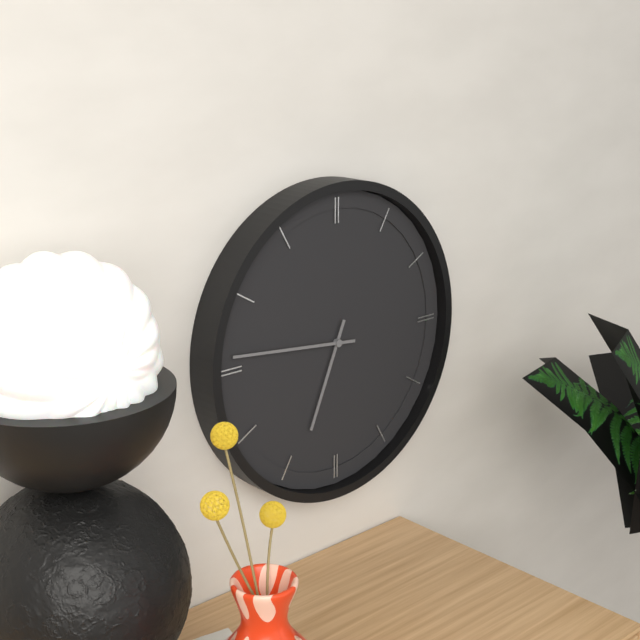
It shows {"hour": 6, "minute": 46}
